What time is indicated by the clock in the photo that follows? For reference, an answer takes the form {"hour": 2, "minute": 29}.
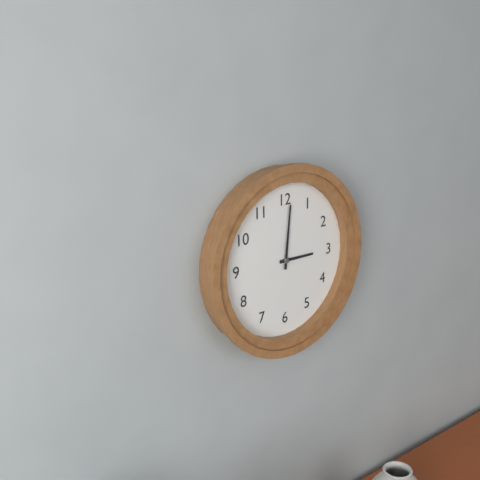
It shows {"hour": 3, "minute": 1}
